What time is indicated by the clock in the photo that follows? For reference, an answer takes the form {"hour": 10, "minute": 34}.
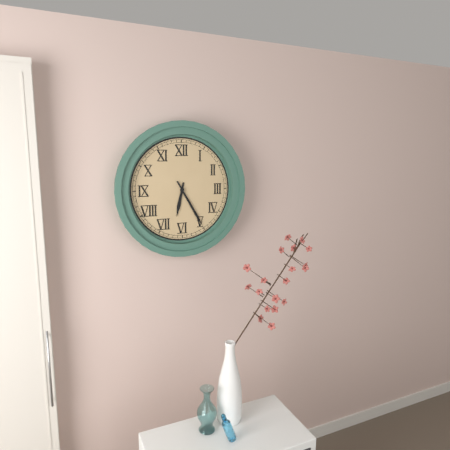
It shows {"hour": 6, "minute": 25}
